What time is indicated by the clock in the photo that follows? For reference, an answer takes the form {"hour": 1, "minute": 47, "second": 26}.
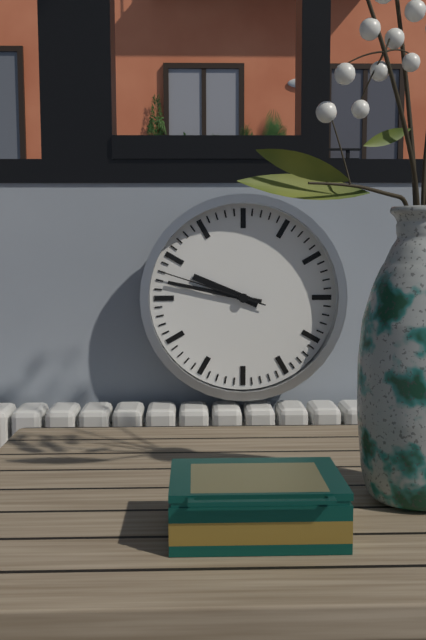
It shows {"hour": 9, "minute": 47, "second": 48}
